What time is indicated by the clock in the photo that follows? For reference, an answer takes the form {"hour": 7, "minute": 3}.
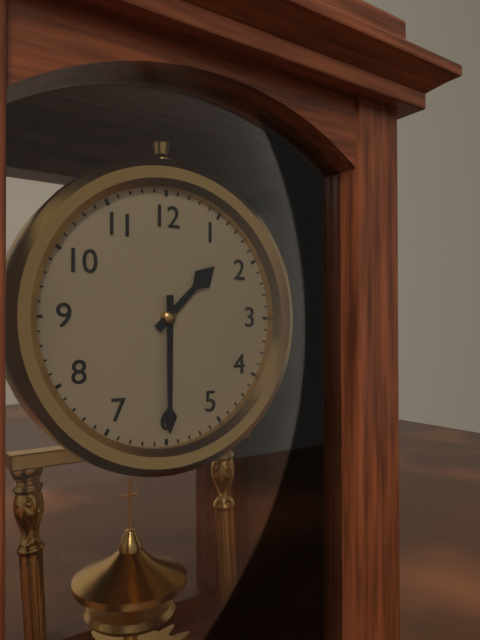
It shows {"hour": 1, "minute": 30}
